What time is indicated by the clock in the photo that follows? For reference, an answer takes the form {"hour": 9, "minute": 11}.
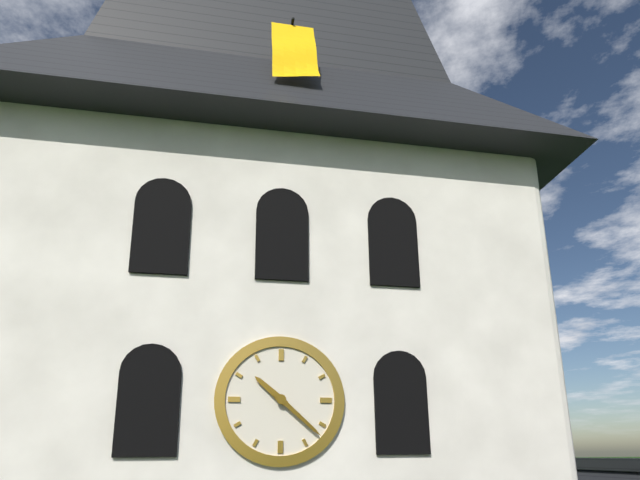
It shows {"hour": 10, "minute": 22}
